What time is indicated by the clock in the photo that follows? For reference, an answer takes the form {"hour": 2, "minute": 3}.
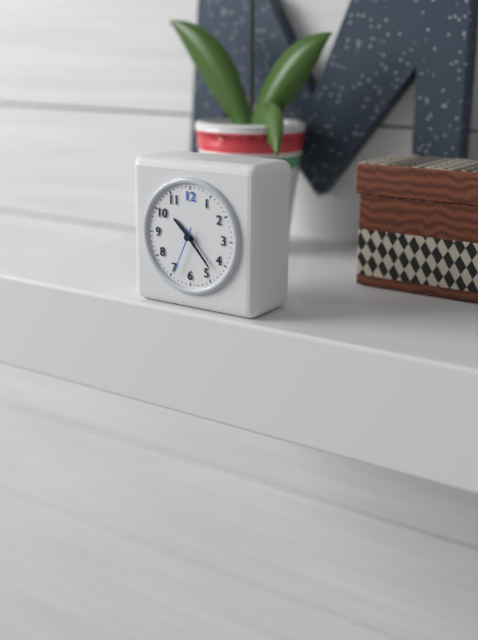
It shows {"hour": 10, "minute": 23}
